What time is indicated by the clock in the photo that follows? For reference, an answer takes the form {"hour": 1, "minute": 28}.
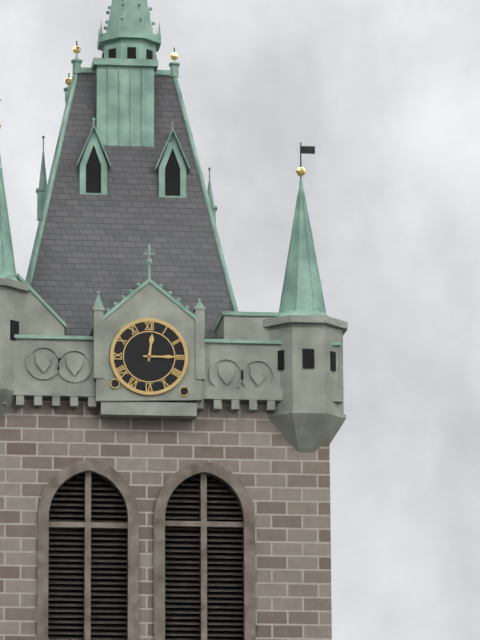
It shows {"hour": 12, "minute": 15}
